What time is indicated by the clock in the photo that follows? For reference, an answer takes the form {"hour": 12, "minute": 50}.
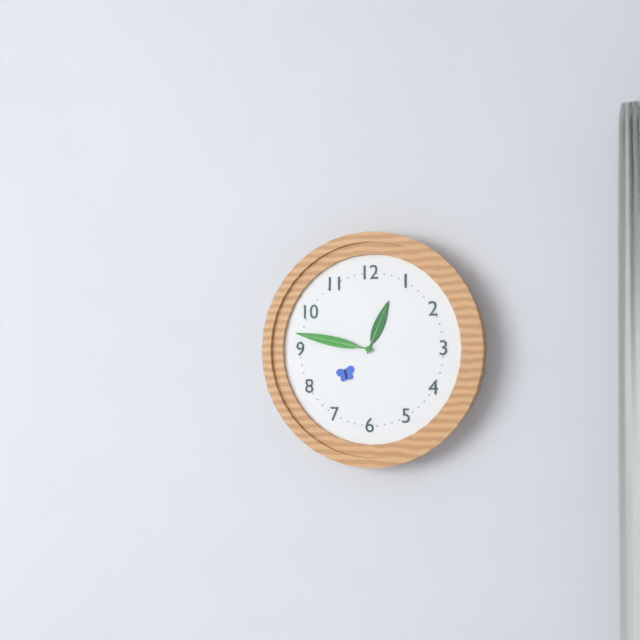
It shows {"hour": 12, "minute": 47}
